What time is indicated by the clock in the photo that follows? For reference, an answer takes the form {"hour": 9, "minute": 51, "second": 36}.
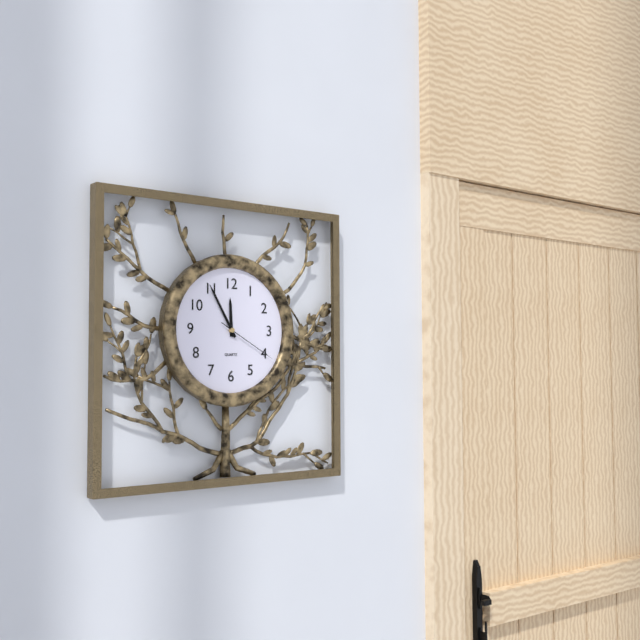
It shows {"hour": 11, "minute": 55, "second": 20}
